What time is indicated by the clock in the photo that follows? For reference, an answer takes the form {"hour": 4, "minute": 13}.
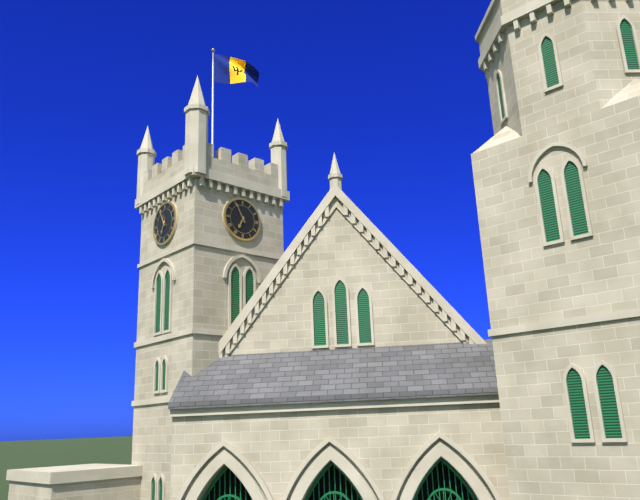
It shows {"hour": 6, "minute": 55}
